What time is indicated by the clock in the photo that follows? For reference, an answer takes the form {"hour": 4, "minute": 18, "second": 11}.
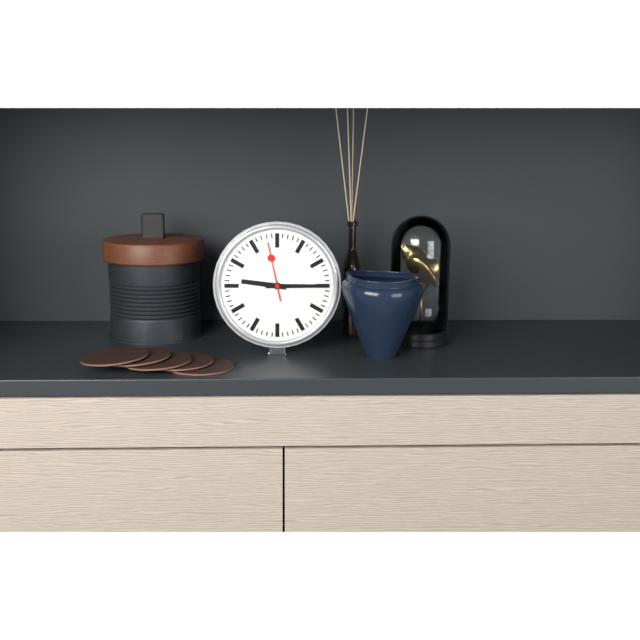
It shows {"hour": 9, "minute": 15, "second": 58}
